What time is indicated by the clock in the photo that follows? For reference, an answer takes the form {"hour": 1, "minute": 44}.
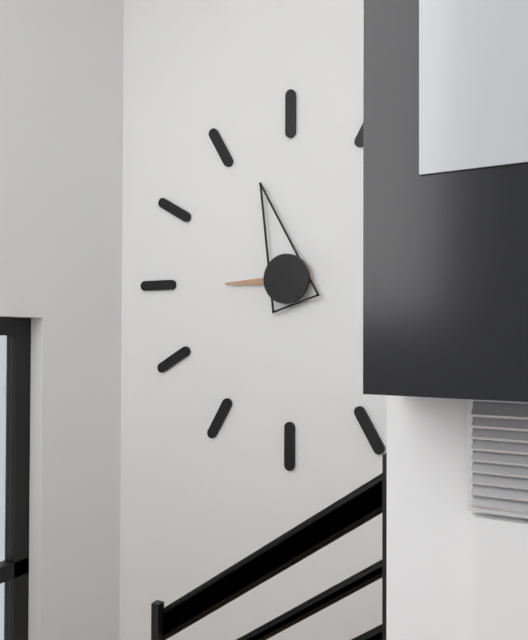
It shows {"hour": 8, "minute": 57}
